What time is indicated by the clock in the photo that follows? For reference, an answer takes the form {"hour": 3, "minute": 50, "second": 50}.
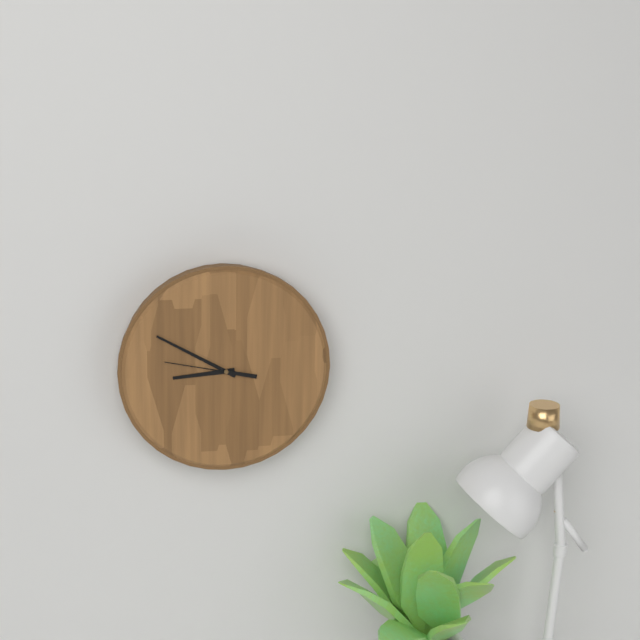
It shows {"hour": 8, "minute": 50, "second": 47}
